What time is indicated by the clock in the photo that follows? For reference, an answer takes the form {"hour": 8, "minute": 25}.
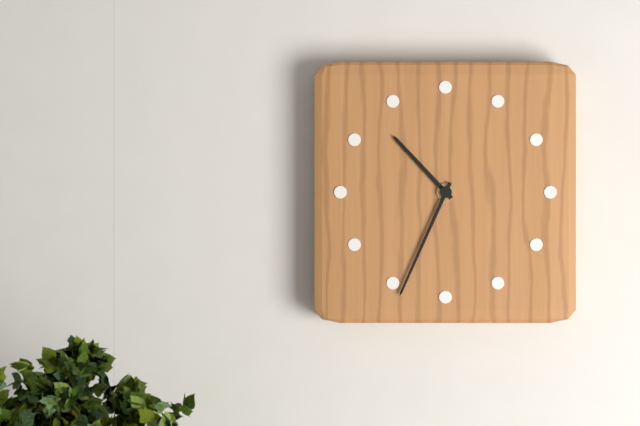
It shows {"hour": 10, "minute": 34}
